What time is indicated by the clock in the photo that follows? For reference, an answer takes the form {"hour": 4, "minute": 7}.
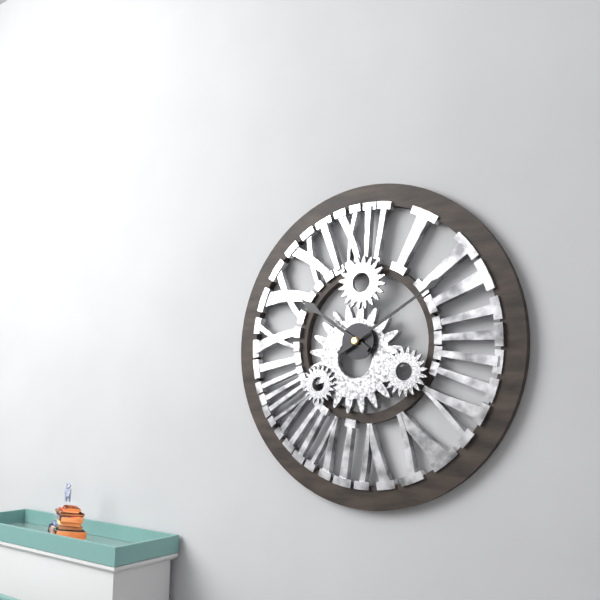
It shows {"hour": 10, "minute": 10}
